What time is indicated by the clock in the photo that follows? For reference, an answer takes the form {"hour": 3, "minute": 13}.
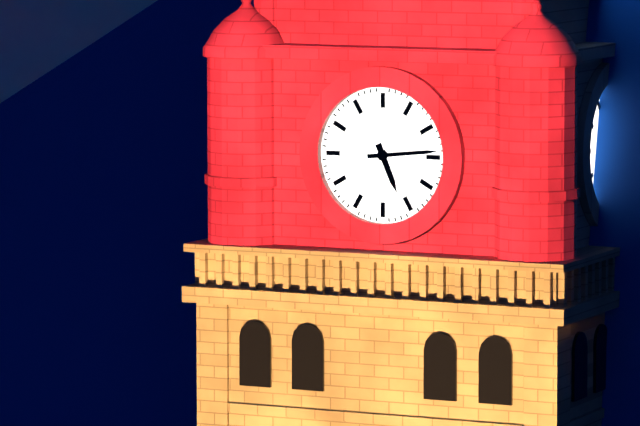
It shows {"hour": 5, "minute": 14}
